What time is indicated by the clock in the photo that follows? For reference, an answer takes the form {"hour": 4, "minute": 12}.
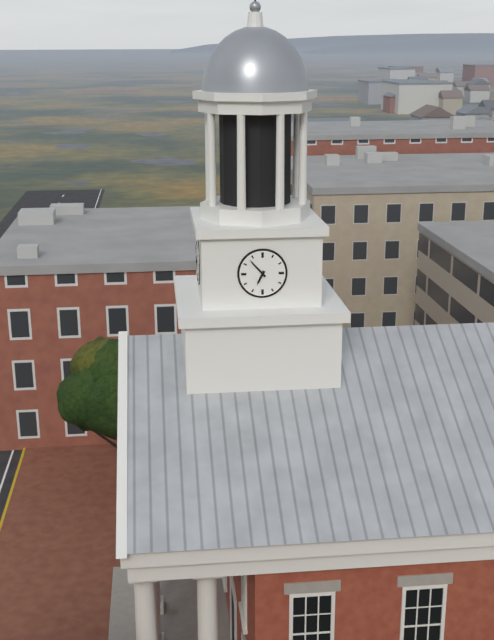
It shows {"hour": 6, "minute": 53}
